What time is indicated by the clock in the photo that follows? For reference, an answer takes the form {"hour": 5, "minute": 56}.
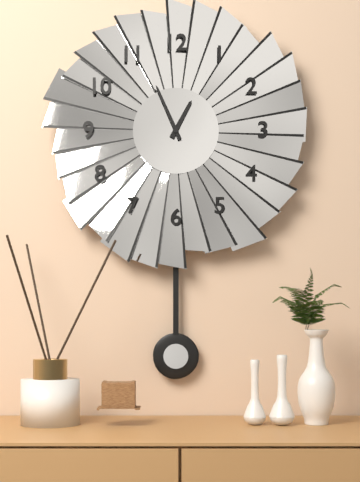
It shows {"hour": 12, "minute": 56}
